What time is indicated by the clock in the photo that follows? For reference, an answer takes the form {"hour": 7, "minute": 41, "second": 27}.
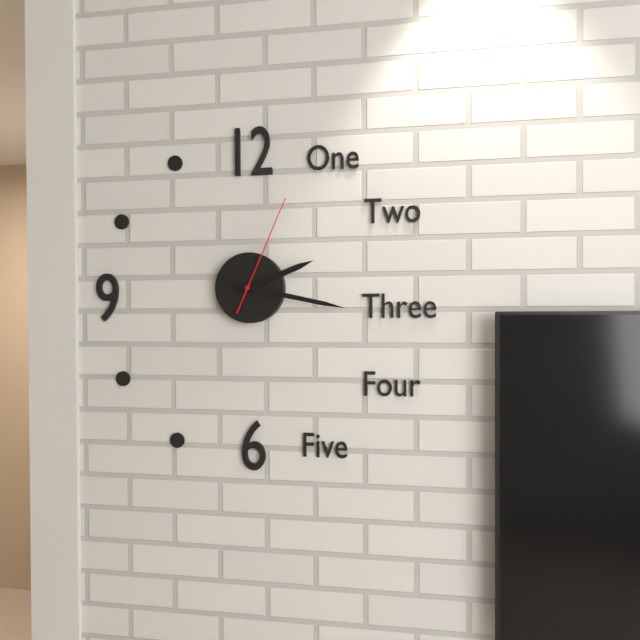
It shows {"hour": 2, "minute": 17, "second": 4}
